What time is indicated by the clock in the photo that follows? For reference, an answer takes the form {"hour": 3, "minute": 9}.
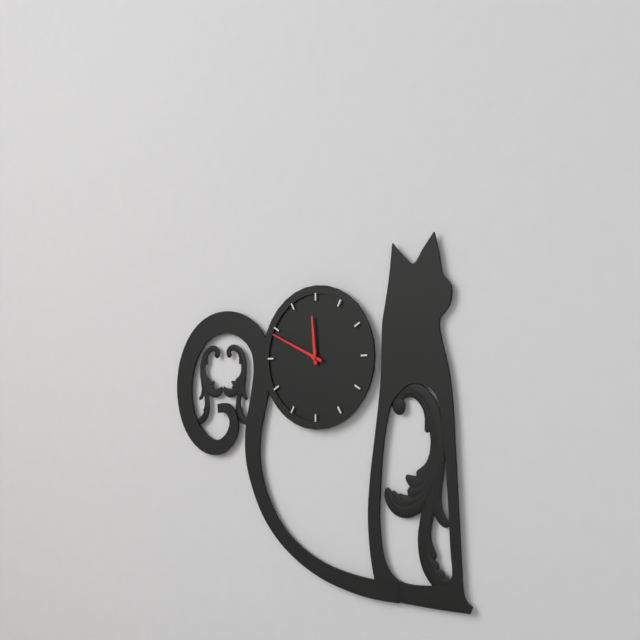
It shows {"hour": 11, "minute": 49}
